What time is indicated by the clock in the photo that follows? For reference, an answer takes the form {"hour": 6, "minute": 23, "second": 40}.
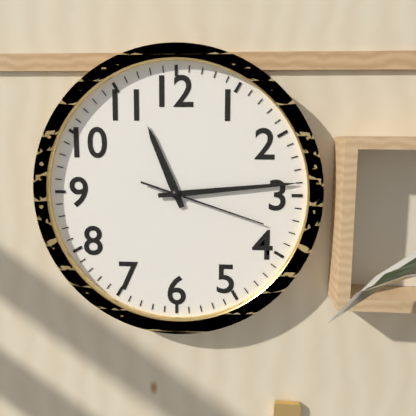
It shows {"hour": 11, "minute": 14, "second": 18}
